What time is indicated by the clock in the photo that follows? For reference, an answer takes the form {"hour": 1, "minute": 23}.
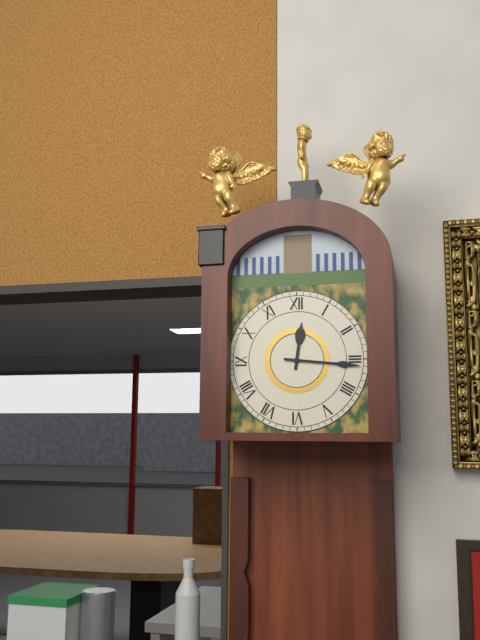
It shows {"hour": 12, "minute": 16}
